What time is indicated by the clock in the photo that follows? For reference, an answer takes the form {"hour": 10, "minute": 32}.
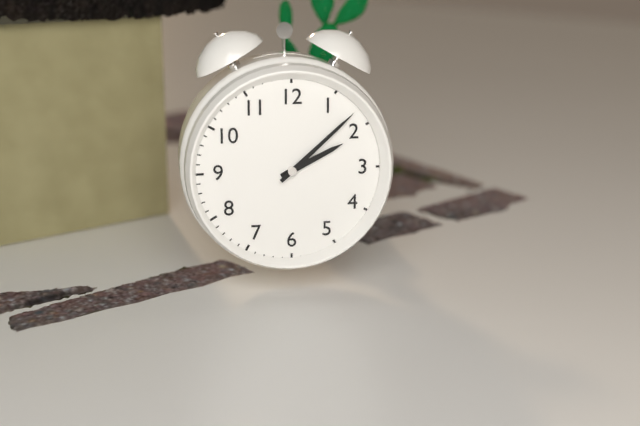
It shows {"hour": 2, "minute": 8}
